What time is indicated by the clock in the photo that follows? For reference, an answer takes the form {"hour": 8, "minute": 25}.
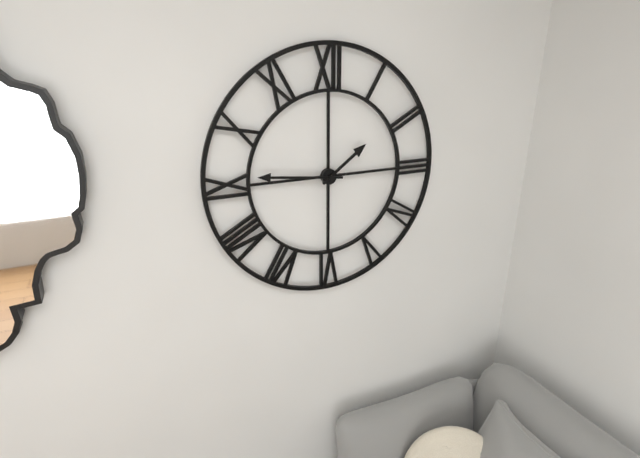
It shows {"hour": 1, "minute": 46}
